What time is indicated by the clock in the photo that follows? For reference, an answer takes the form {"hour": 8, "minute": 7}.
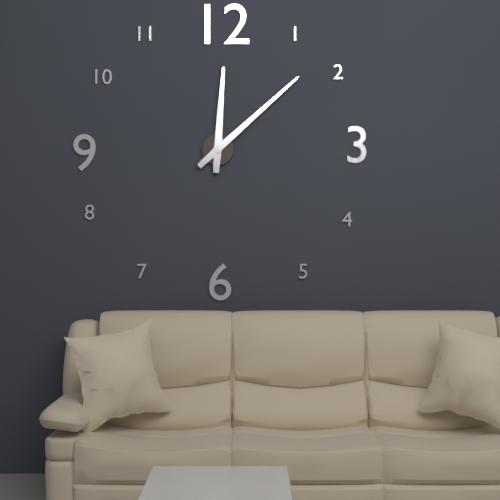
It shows {"hour": 12, "minute": 8}
